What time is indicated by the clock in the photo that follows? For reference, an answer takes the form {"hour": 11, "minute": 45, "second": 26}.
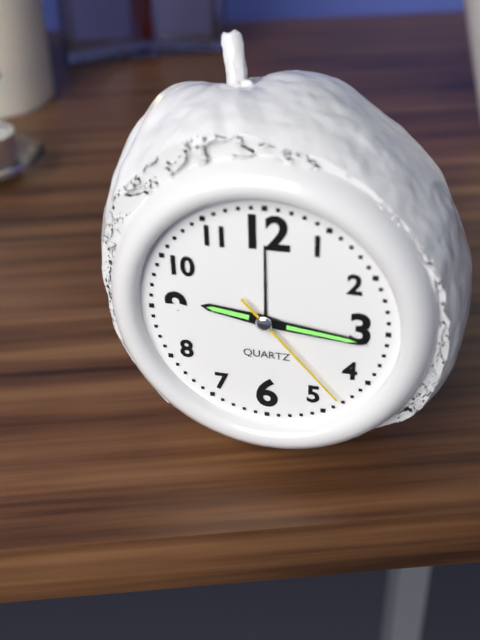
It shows {"hour": 9, "minute": 16, "second": 23}
